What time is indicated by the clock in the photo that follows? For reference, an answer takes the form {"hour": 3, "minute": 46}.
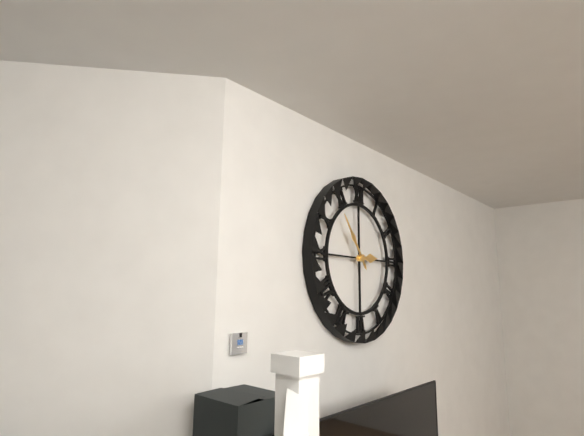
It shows {"hour": 2, "minute": 54}
